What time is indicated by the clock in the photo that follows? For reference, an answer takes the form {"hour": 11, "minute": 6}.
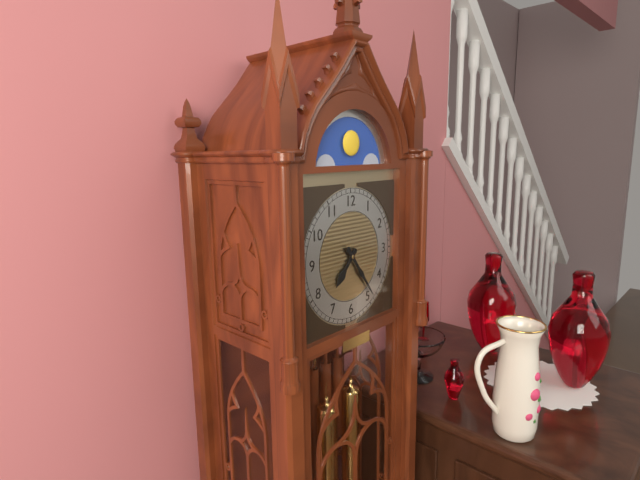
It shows {"hour": 7, "minute": 24}
